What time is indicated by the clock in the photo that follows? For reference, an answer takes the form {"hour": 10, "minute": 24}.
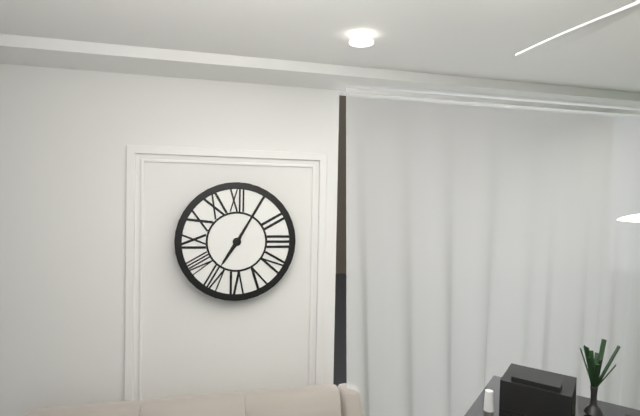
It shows {"hour": 7, "minute": 5}
